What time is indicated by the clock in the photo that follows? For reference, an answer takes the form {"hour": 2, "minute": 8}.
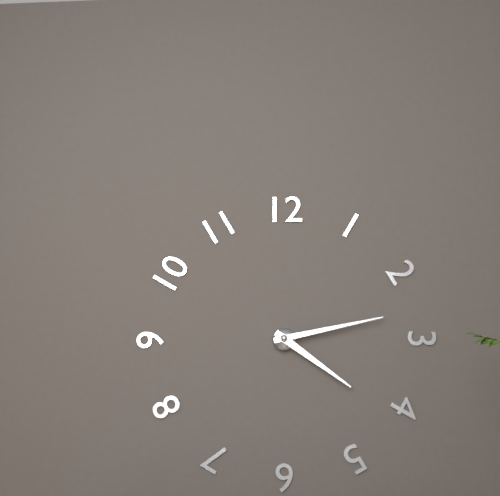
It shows {"hour": 4, "minute": 13}
